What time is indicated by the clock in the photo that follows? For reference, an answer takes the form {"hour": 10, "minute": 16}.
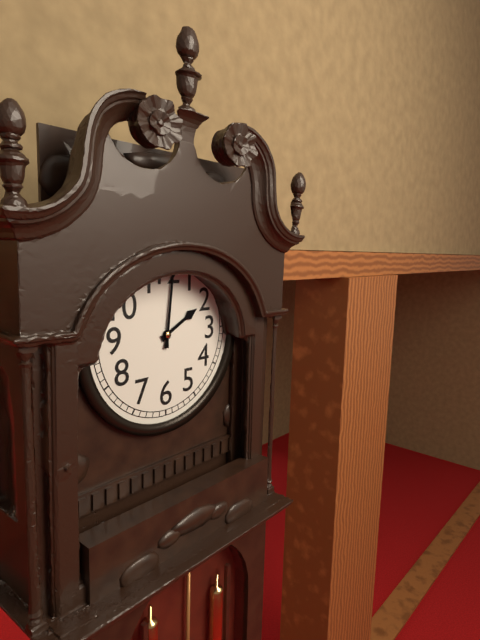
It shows {"hour": 2, "minute": 1}
